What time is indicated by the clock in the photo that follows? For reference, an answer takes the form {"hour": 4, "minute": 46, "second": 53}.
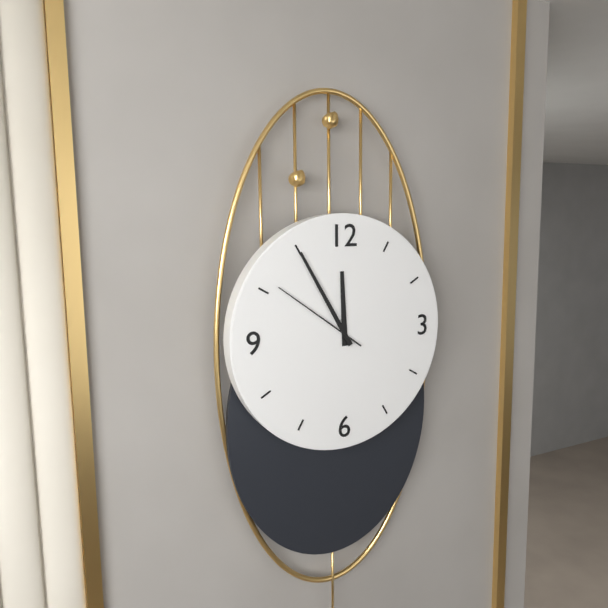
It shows {"hour": 11, "minute": 55, "second": 51}
